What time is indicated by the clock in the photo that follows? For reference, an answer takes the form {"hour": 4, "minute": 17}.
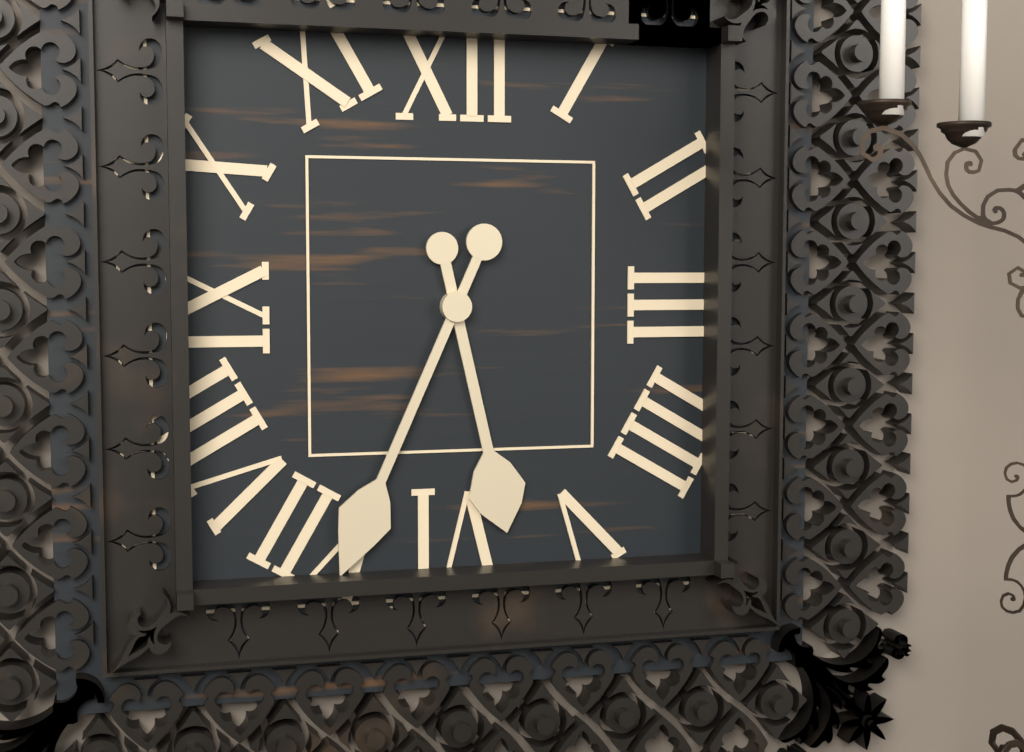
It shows {"hour": 5, "minute": 34}
